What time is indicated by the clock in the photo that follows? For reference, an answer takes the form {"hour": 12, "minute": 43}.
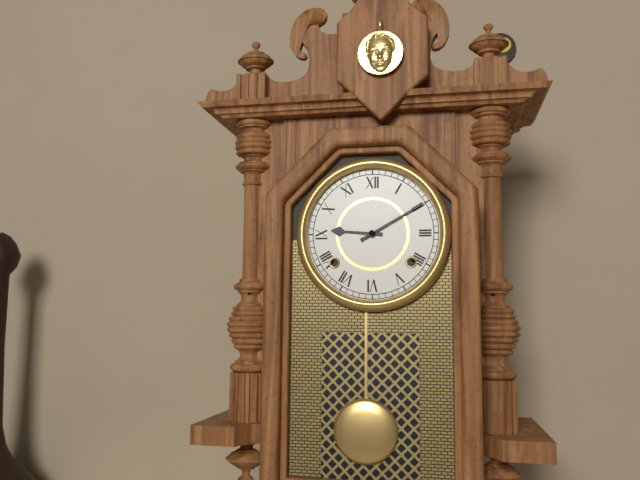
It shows {"hour": 9, "minute": 10}
